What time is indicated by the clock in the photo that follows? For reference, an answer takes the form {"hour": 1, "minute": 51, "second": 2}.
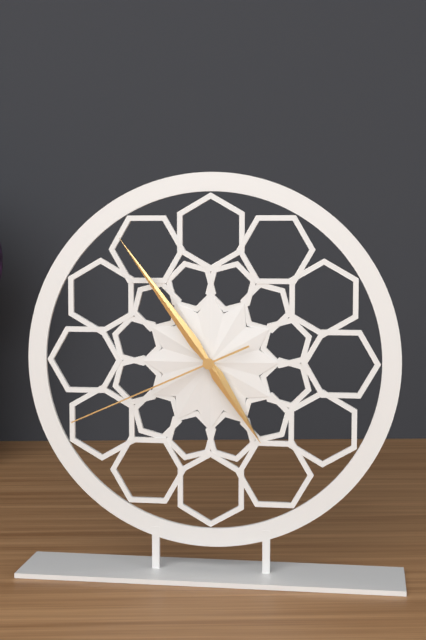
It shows {"hour": 4, "minute": 54, "second": 41}
